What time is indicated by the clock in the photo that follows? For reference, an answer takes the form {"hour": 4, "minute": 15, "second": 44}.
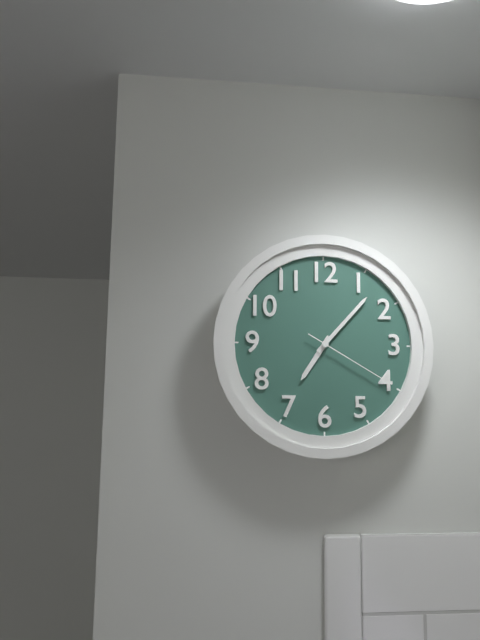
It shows {"hour": 7, "minute": 7, "second": 20}
